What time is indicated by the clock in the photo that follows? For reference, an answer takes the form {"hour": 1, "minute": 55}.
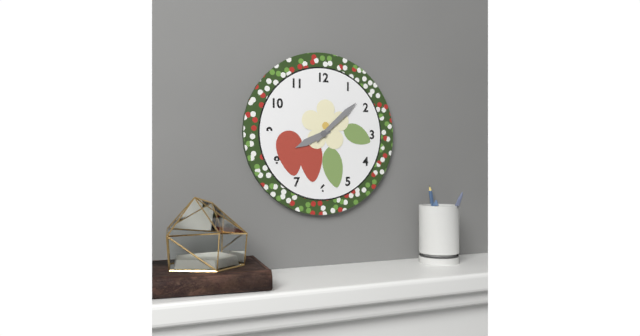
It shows {"hour": 8, "minute": 8}
